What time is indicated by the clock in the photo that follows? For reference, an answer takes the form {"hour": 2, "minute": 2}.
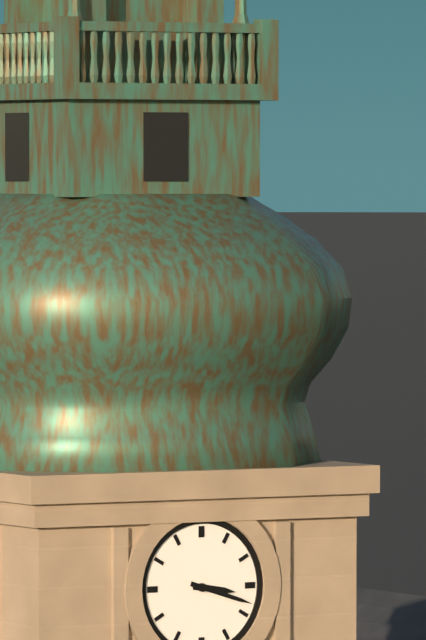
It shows {"hour": 3, "minute": 18}
